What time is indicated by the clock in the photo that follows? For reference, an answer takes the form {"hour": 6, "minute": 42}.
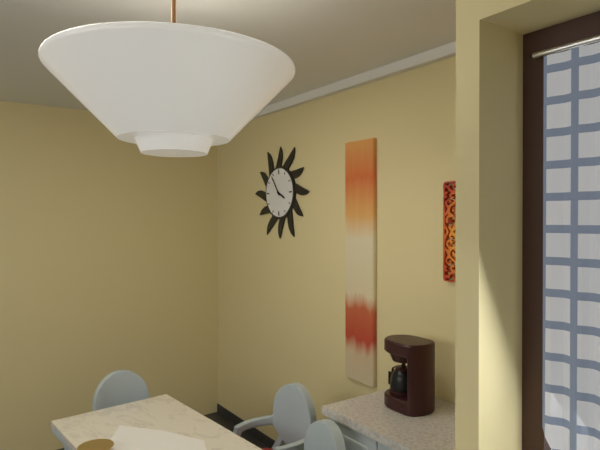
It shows {"hour": 3, "minute": 54}
